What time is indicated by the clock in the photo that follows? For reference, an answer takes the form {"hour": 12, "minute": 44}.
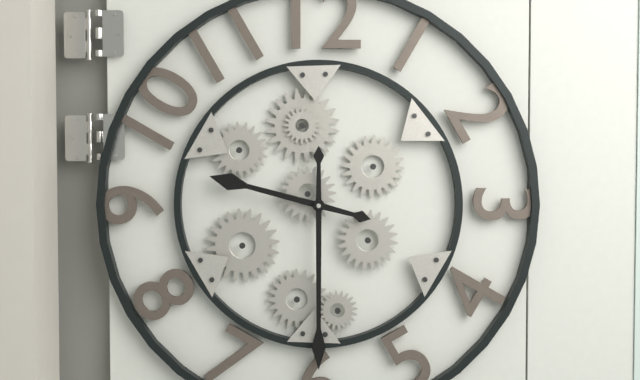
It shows {"hour": 9, "minute": 30}
